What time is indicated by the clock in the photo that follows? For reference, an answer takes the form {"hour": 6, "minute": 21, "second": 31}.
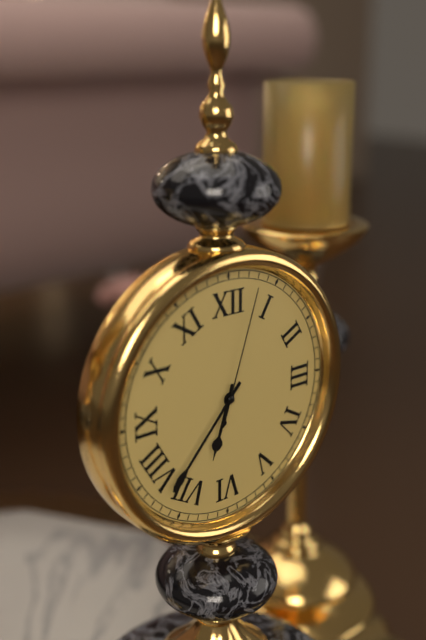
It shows {"hour": 6, "minute": 37, "second": 3}
